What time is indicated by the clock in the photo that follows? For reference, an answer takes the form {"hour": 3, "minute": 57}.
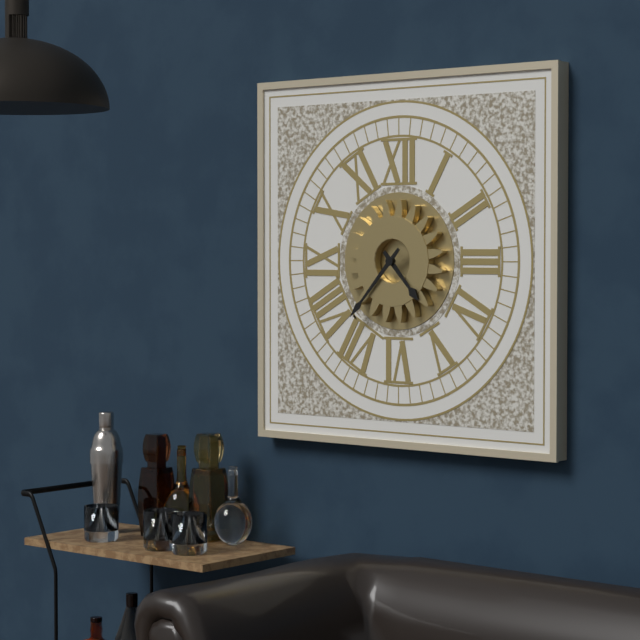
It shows {"hour": 4, "minute": 37}
